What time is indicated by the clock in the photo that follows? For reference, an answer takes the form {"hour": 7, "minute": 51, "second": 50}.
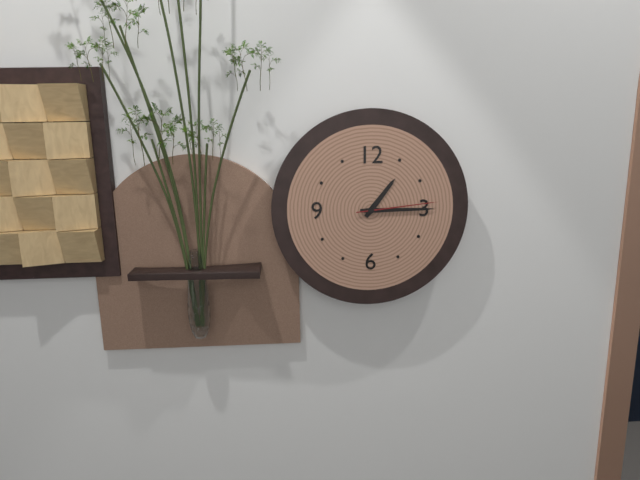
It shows {"hour": 1, "minute": 15, "second": 14}
